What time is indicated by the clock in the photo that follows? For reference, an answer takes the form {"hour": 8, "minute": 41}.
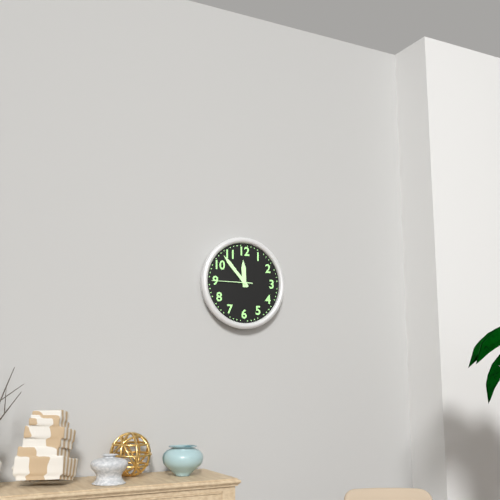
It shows {"hour": 11, "minute": 53}
